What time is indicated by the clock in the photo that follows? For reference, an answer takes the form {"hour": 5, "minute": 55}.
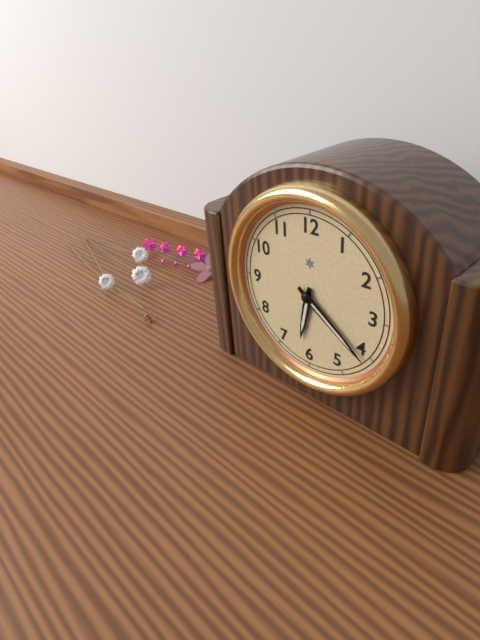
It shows {"hour": 6, "minute": 21}
